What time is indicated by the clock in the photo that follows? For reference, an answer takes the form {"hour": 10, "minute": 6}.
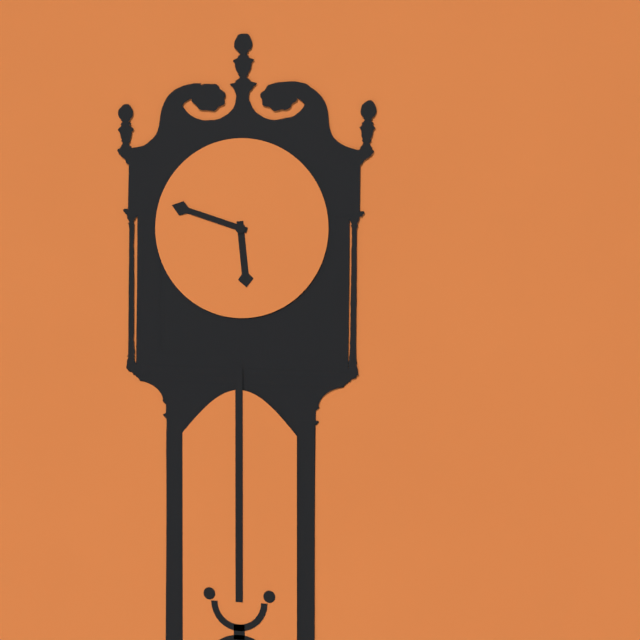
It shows {"hour": 5, "minute": 48}
